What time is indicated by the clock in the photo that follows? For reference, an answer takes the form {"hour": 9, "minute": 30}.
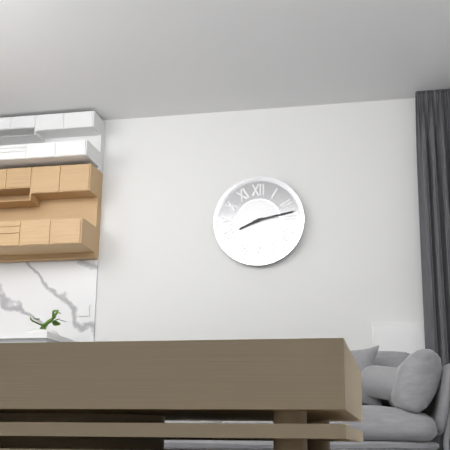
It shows {"hour": 8, "minute": 13}
